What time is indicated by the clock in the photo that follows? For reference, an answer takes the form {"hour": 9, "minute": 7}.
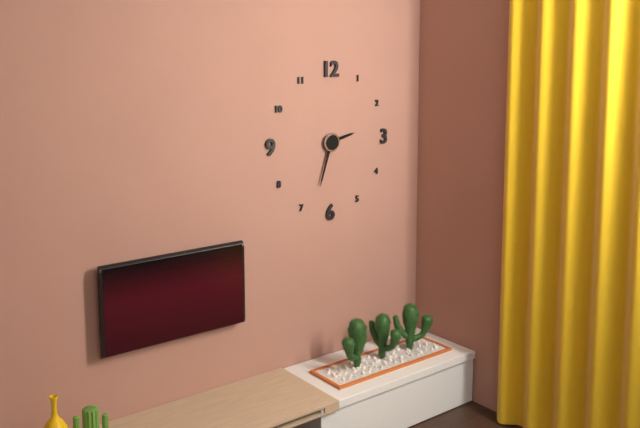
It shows {"hour": 2, "minute": 33}
